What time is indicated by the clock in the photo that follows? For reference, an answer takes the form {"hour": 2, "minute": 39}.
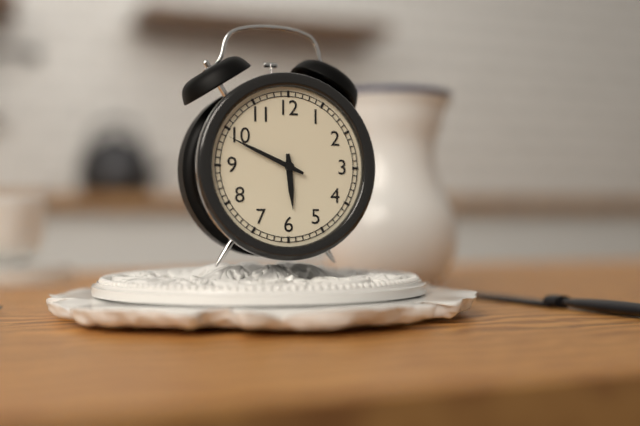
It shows {"hour": 5, "minute": 49}
